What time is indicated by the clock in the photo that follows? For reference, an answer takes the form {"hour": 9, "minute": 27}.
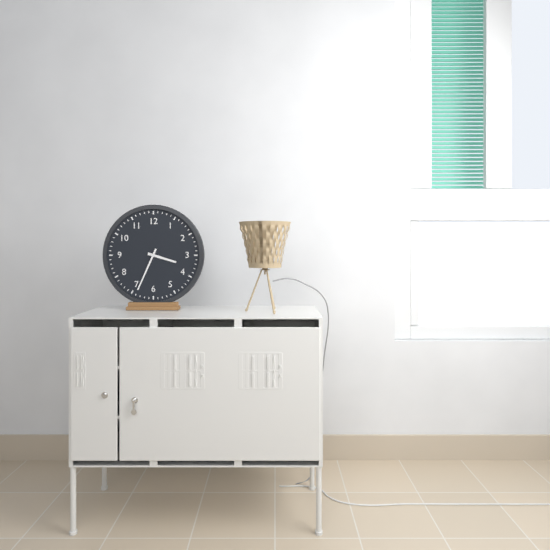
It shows {"hour": 3, "minute": 34}
